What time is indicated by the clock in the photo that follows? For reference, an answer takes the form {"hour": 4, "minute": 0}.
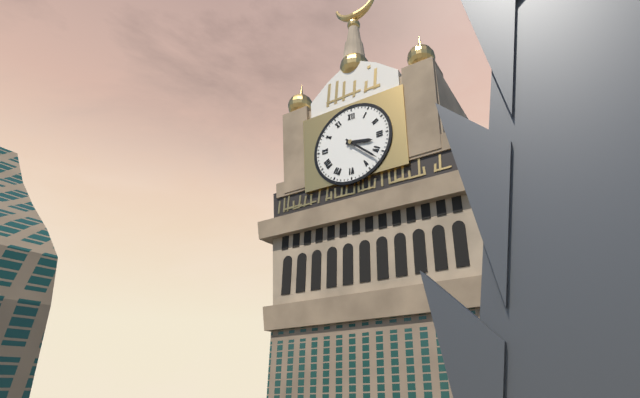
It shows {"hour": 3, "minute": 22}
